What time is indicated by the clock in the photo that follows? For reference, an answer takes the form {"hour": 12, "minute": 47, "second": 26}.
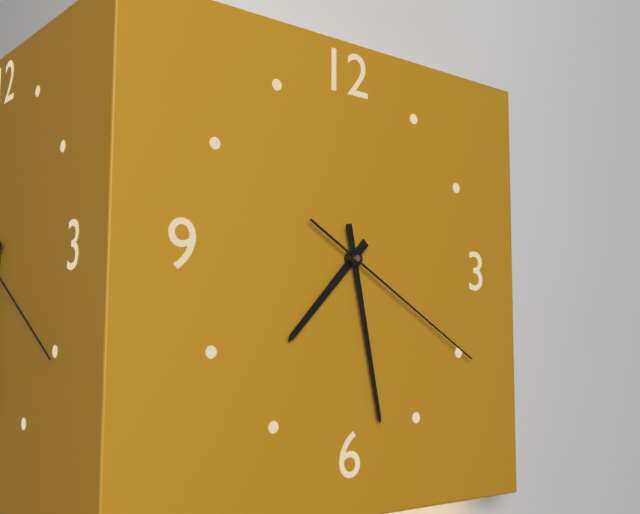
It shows {"hour": 7, "minute": 28, "second": 20}
